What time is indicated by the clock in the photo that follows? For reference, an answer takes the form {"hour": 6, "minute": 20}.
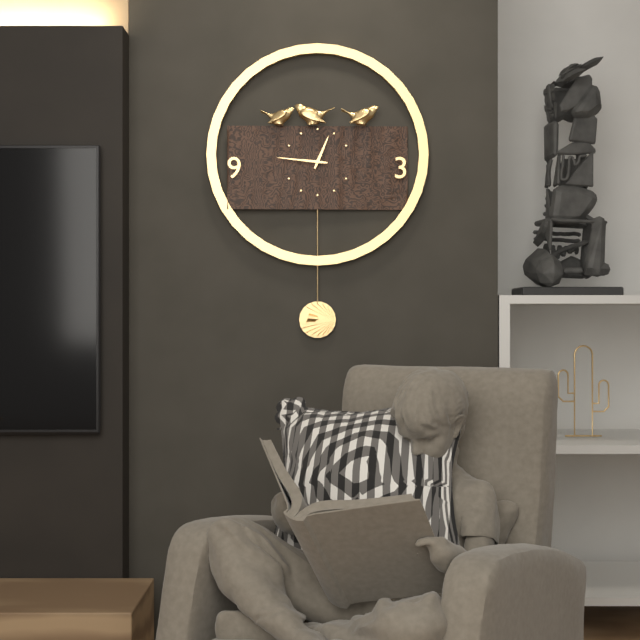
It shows {"hour": 12, "minute": 46}
